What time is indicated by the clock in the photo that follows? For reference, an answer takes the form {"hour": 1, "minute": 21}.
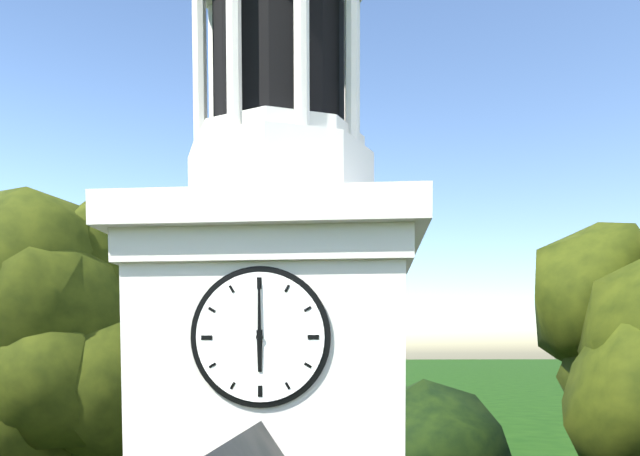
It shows {"hour": 6, "minute": 0}
